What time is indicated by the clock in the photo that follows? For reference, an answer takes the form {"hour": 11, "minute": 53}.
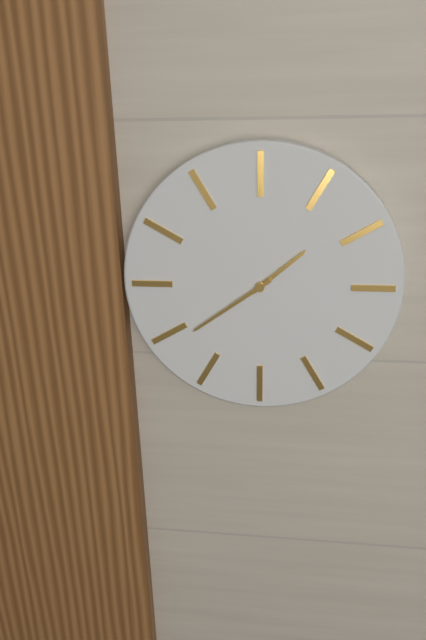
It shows {"hour": 1, "minute": 39}
